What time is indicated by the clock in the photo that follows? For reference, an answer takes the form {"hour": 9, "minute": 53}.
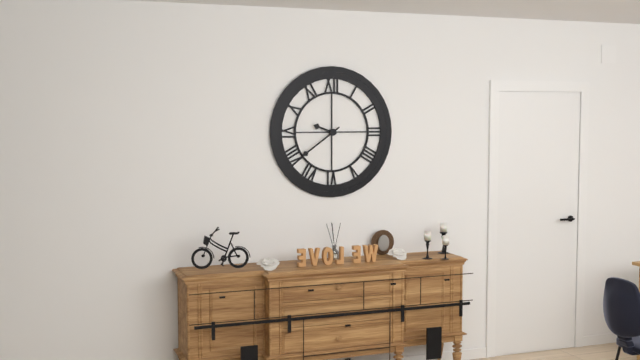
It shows {"hour": 9, "minute": 39}
